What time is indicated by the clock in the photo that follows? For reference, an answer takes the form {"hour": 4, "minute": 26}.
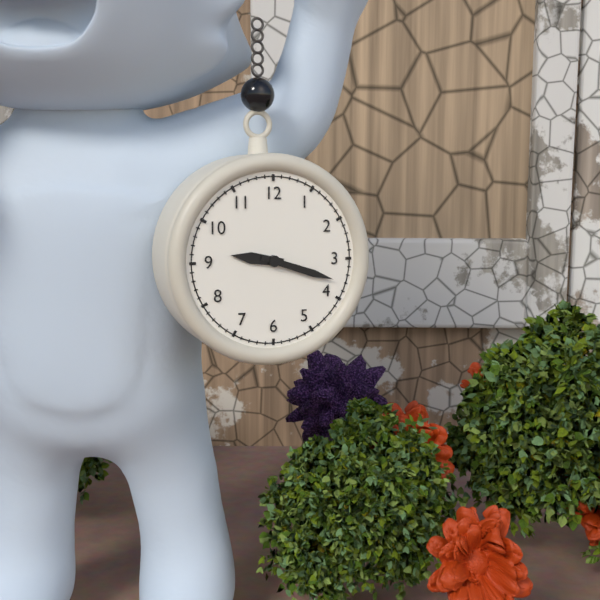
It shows {"hour": 9, "minute": 18}
